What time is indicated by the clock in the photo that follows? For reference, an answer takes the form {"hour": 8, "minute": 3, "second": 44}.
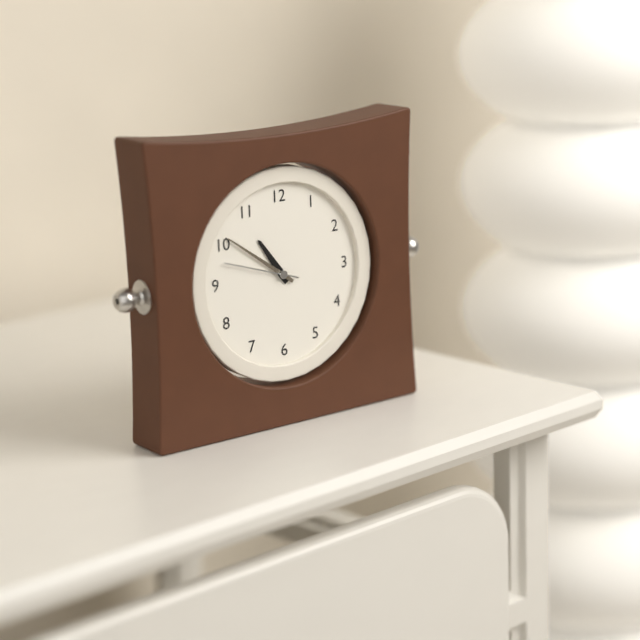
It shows {"hour": 10, "minute": 51, "second": 48}
